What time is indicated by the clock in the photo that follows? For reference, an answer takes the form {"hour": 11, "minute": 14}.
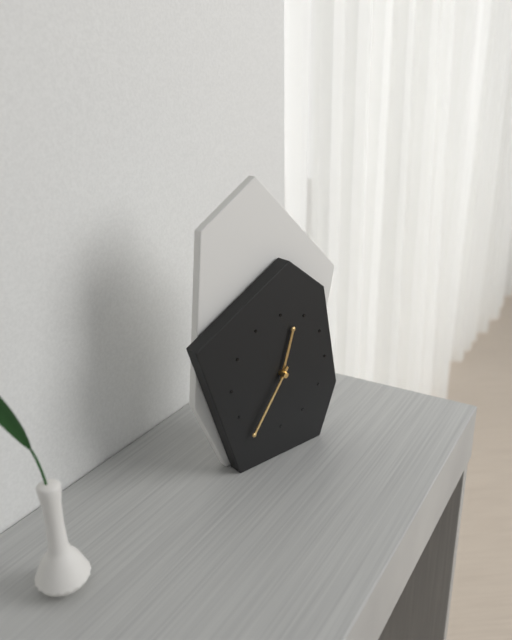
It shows {"hour": 12, "minute": 36}
